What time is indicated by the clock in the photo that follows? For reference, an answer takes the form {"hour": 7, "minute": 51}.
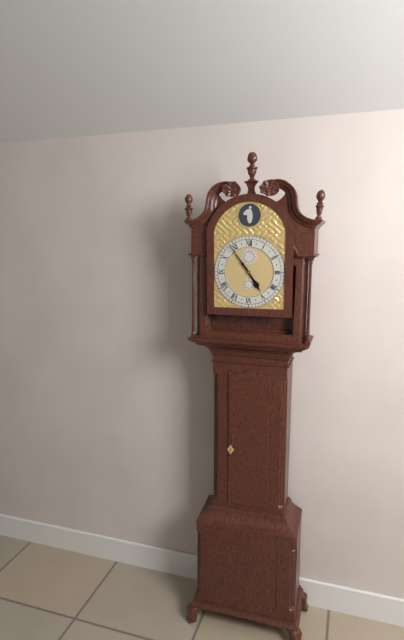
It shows {"hour": 4, "minute": 54}
